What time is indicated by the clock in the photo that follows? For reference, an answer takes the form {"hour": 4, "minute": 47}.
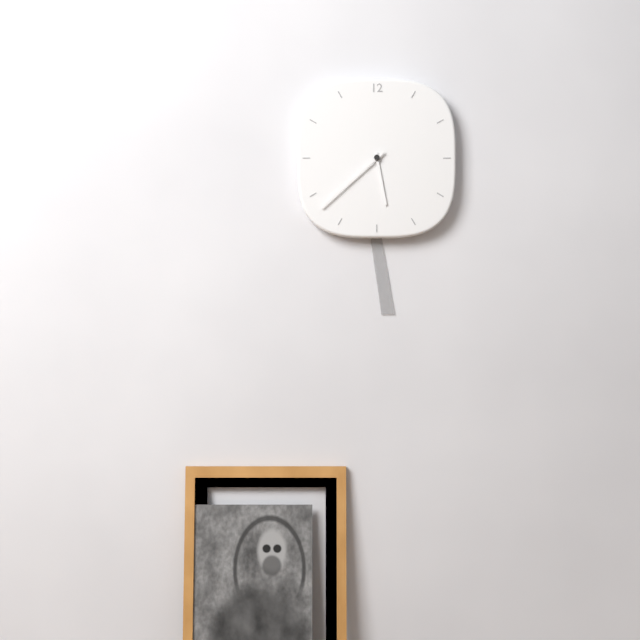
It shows {"hour": 5, "minute": 38}
